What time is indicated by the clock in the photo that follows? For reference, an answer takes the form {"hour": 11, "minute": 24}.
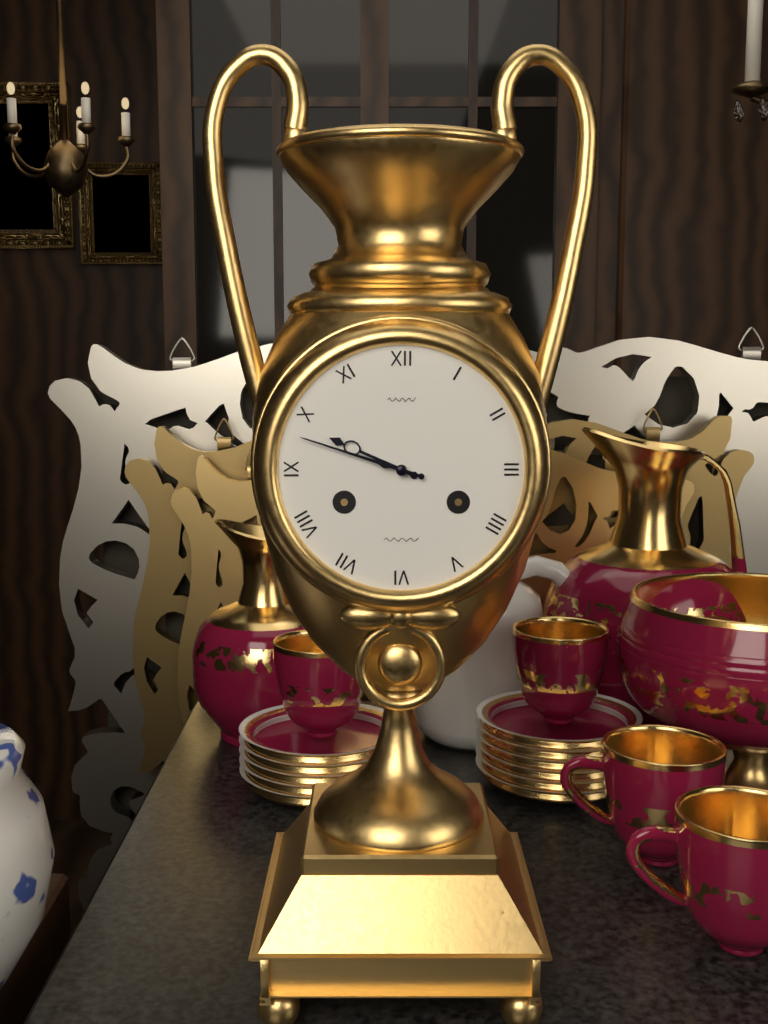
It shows {"hour": 9, "minute": 48}
